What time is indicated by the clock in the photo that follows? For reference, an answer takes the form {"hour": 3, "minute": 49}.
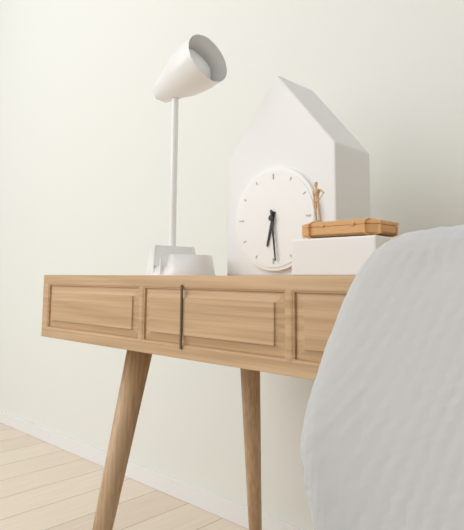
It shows {"hour": 6, "minute": 29}
